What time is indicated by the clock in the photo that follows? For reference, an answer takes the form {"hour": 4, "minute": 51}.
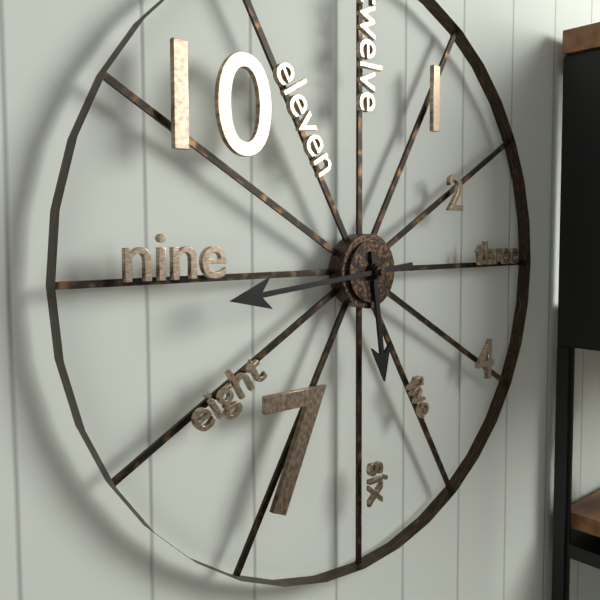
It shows {"hour": 5, "minute": 44}
